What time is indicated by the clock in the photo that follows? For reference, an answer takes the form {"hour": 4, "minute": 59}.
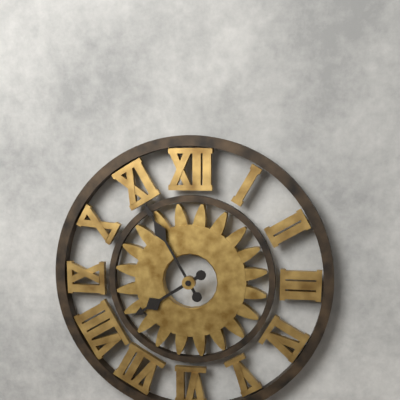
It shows {"hour": 7, "minute": 55}
